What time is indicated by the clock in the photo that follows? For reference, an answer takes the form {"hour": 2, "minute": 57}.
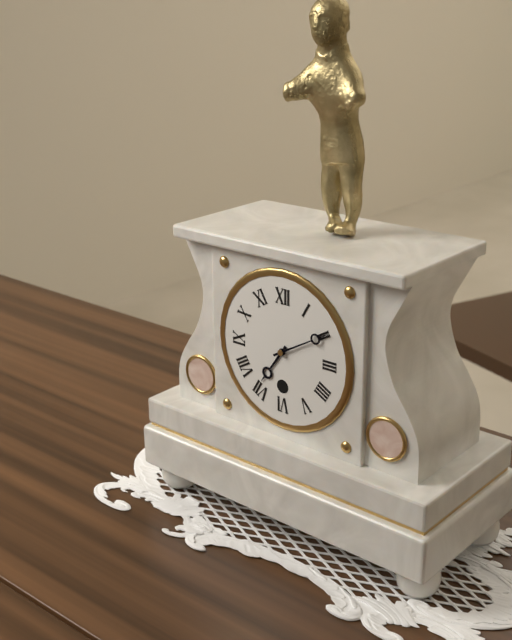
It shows {"hour": 7, "minute": 10}
